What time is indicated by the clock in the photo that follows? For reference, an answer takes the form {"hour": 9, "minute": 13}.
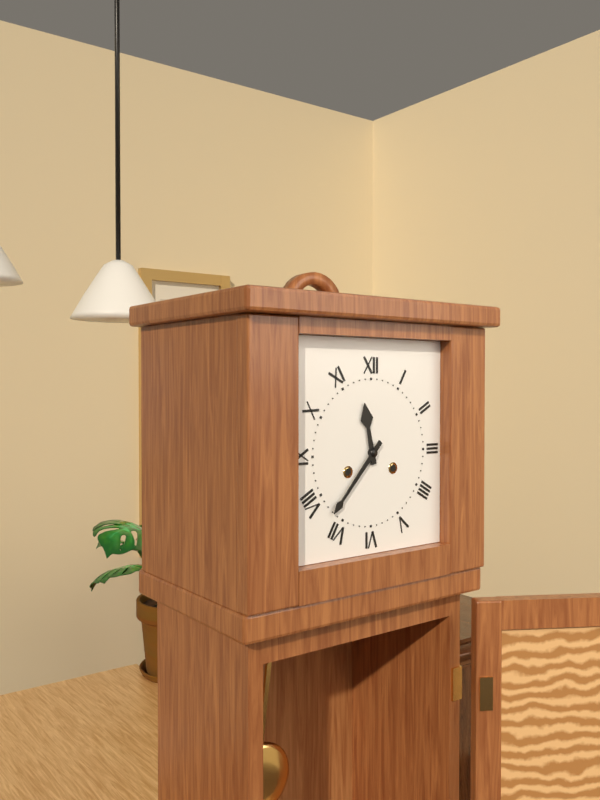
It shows {"hour": 11, "minute": 37}
